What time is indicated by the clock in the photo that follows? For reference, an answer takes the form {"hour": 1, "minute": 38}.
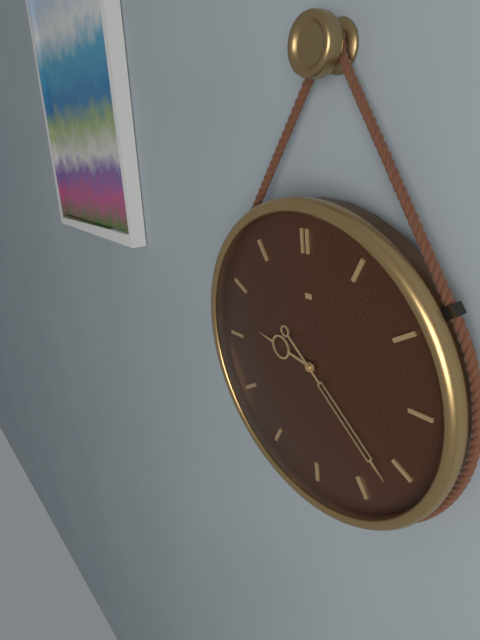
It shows {"hour": 9, "minute": 22}
